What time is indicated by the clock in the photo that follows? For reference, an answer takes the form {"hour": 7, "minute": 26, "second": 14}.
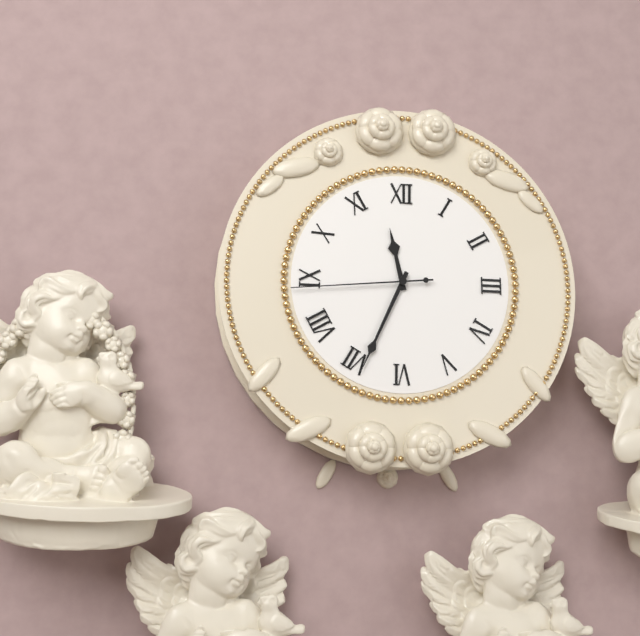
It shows {"hour": 11, "minute": 34, "second": 44}
